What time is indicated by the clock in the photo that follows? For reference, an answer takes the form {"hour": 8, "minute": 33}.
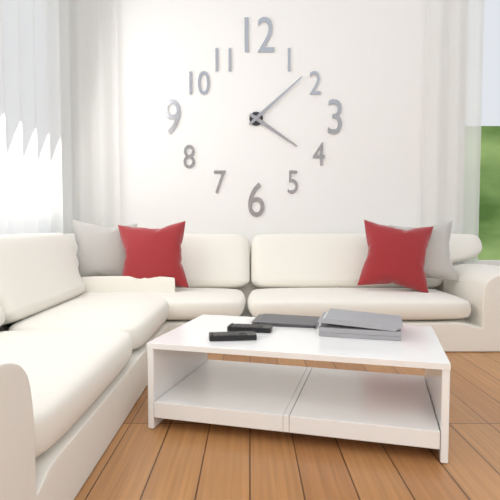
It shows {"hour": 4, "minute": 8}
